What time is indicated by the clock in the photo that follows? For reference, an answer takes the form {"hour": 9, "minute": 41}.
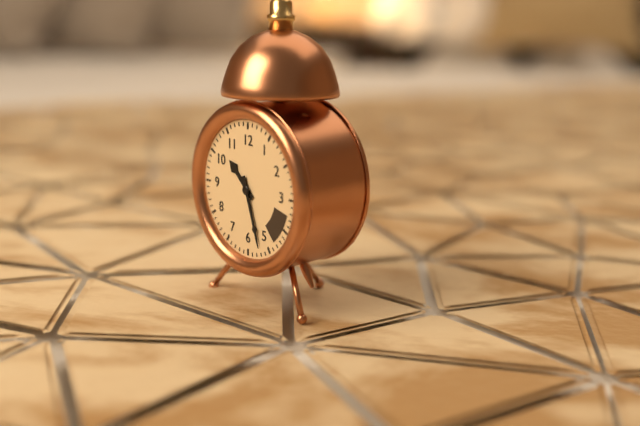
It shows {"hour": 10, "minute": 27}
